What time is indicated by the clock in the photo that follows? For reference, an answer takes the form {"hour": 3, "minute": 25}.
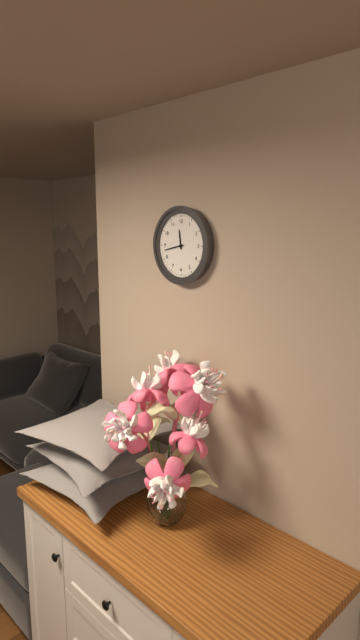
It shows {"hour": 11, "minute": 43}
